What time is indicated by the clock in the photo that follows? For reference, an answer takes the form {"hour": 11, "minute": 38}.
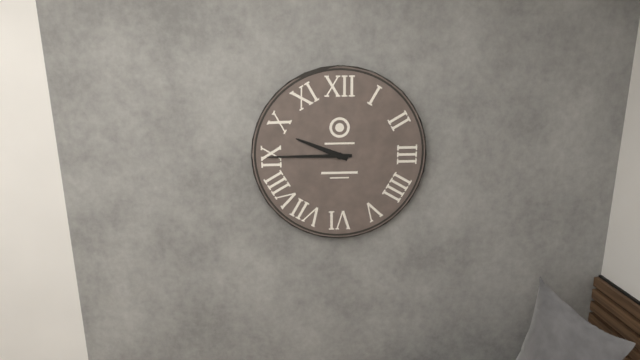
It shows {"hour": 9, "minute": 45}
